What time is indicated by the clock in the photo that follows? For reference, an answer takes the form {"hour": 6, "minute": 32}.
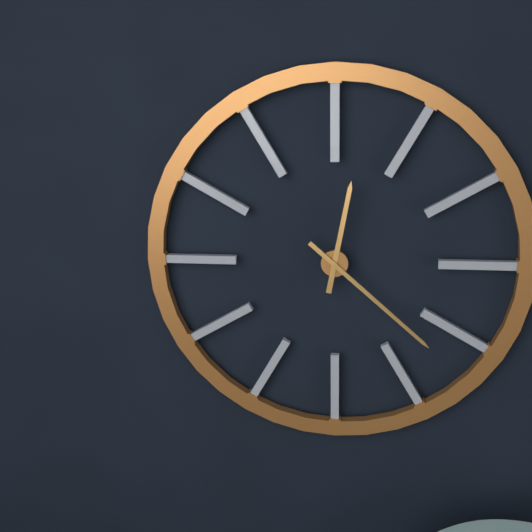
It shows {"hour": 12, "minute": 22}
